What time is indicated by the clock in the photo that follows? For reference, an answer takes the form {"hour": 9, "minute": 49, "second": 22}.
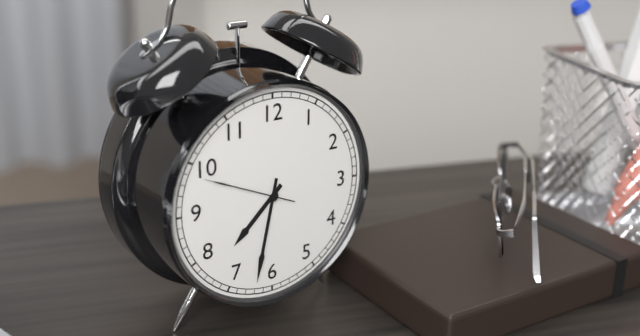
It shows {"hour": 7, "minute": 32, "second": 49}
